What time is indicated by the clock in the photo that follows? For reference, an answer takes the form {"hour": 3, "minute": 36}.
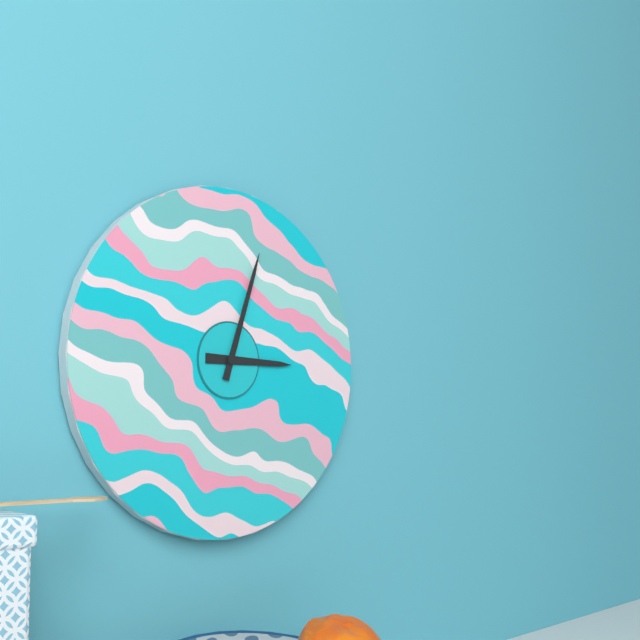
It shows {"hour": 3, "minute": 3}
